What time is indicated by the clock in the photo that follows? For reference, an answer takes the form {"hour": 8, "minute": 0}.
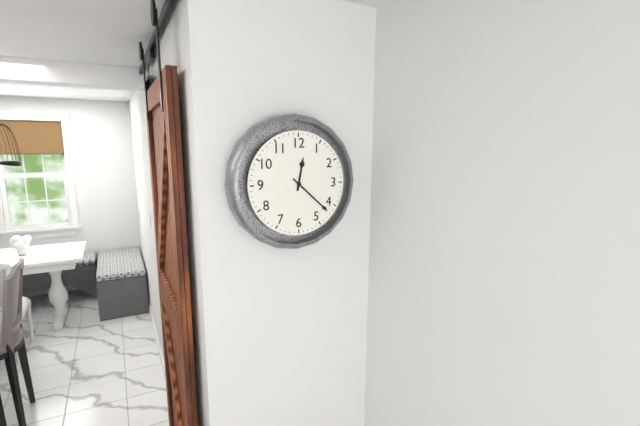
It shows {"hour": 12, "minute": 22}
